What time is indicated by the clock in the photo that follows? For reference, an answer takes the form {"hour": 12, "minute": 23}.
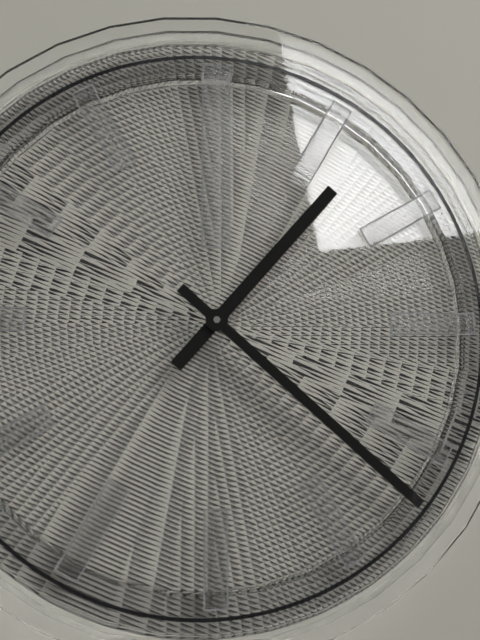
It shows {"hour": 1, "minute": 22}
